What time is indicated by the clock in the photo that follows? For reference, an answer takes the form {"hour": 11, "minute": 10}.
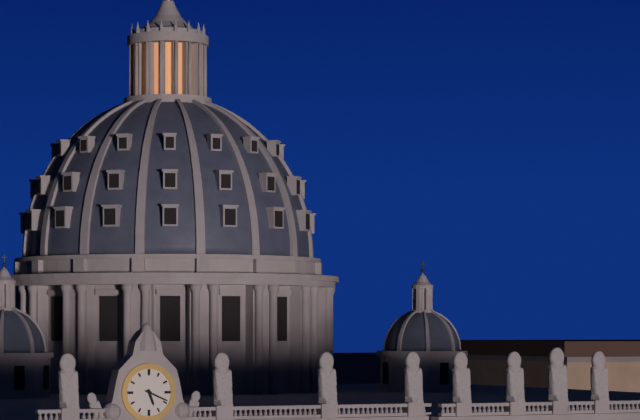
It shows {"hour": 5, "minute": 19}
